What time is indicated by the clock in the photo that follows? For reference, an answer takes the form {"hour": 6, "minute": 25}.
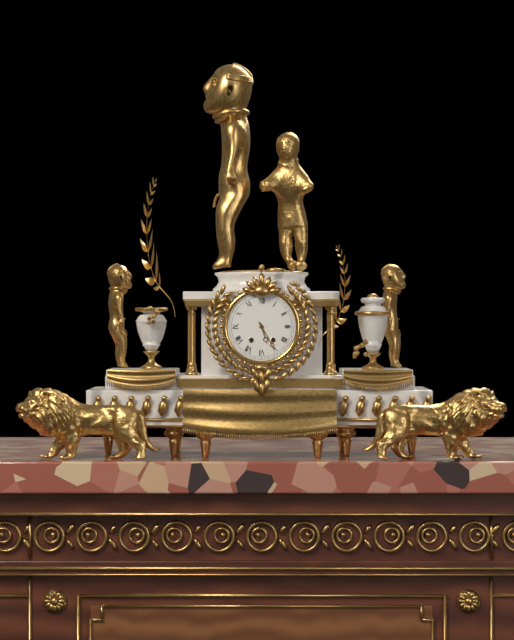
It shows {"hour": 5, "minute": 25}
